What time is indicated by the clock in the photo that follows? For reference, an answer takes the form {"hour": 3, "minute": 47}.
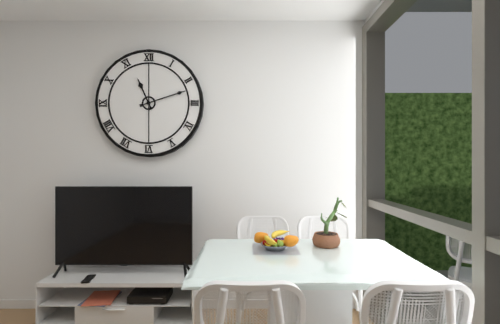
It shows {"hour": 11, "minute": 12}
